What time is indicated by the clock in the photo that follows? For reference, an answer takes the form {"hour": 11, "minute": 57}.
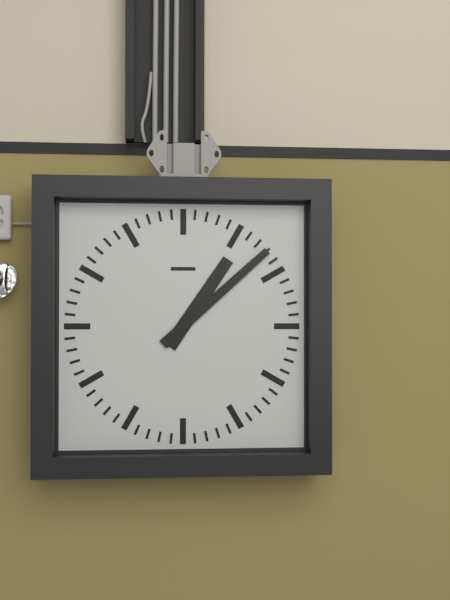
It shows {"hour": 1, "minute": 8}
